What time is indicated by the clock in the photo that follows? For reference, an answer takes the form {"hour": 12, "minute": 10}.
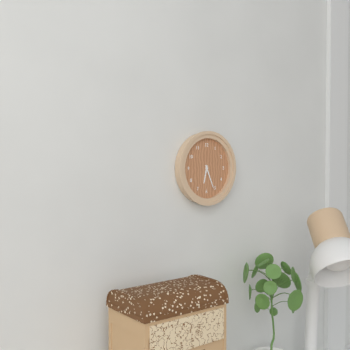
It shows {"hour": 6, "minute": 26}
